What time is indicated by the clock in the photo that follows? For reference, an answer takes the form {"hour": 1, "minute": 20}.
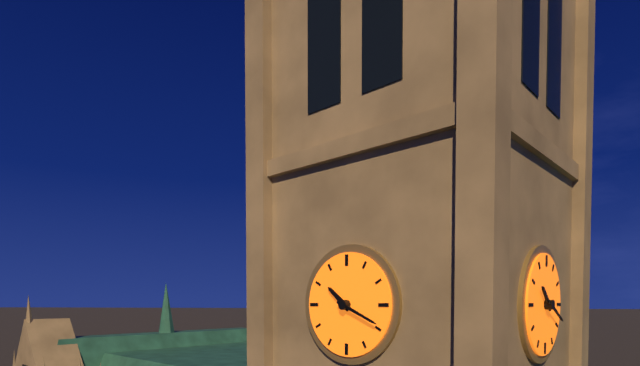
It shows {"hour": 10, "minute": 19}
